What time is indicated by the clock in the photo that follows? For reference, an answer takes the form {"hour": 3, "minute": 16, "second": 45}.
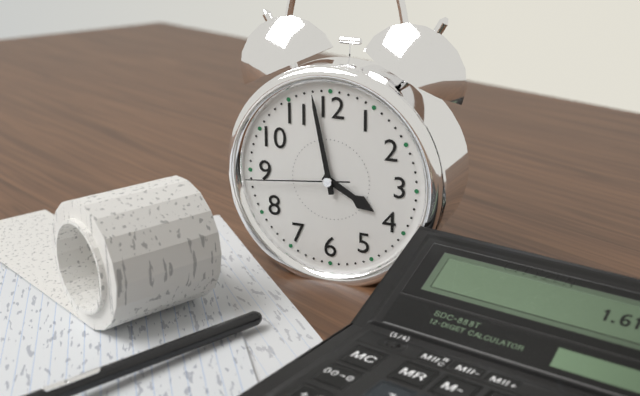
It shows {"hour": 3, "minute": 58, "second": 44}
